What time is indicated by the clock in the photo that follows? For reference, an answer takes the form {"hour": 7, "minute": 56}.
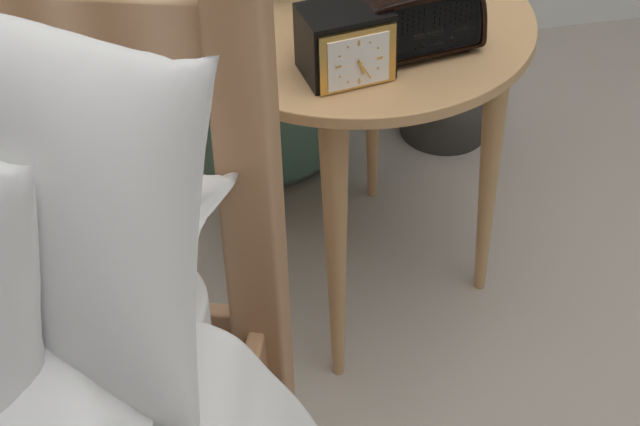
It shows {"hour": 5, "minute": 25}
